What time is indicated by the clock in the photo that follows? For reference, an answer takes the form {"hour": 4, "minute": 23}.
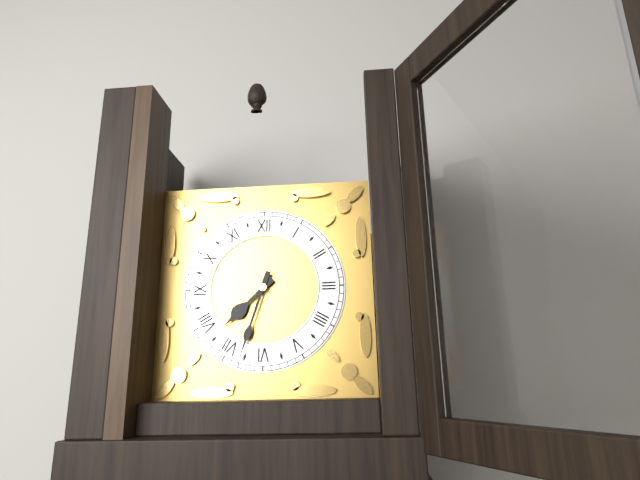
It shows {"hour": 7, "minute": 33}
